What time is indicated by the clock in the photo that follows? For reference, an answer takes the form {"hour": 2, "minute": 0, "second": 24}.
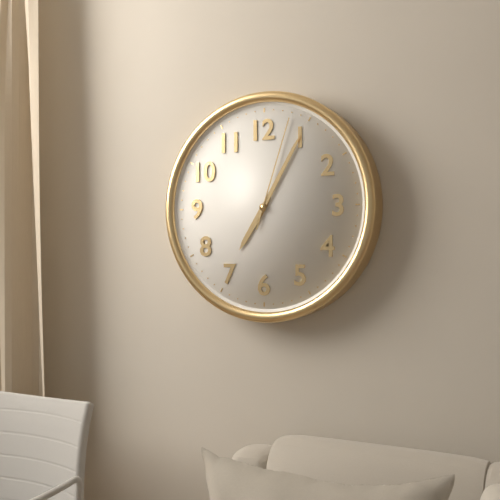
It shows {"hour": 7, "minute": 5, "second": 3}
